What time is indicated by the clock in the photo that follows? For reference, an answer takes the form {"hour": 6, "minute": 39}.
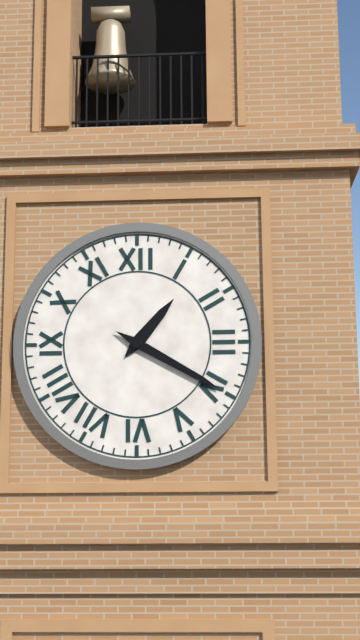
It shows {"hour": 1, "minute": 20}
